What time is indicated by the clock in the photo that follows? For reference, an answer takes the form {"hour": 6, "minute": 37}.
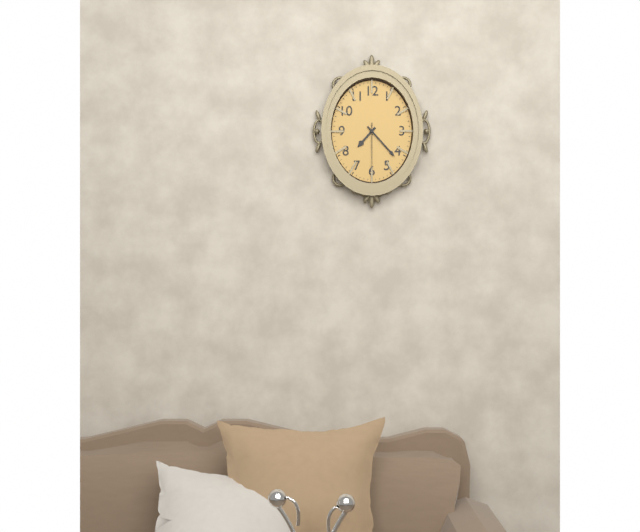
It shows {"hour": 7, "minute": 23}
